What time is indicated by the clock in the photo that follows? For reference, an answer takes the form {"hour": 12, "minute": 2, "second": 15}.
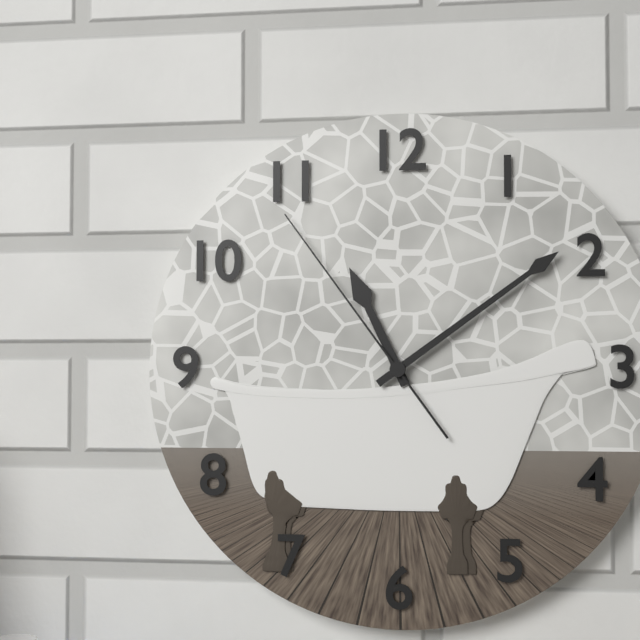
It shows {"hour": 11, "minute": 9, "second": 54}
